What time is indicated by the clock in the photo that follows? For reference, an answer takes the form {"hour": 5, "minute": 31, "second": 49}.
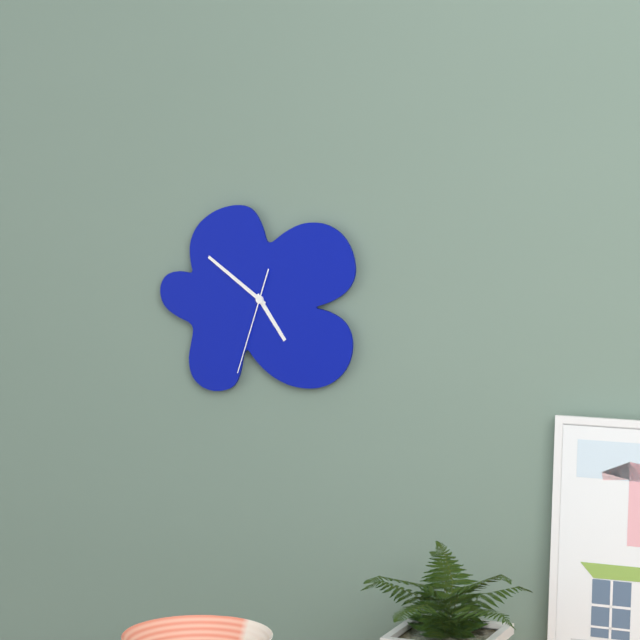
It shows {"hour": 4, "minute": 51, "second": 33}
